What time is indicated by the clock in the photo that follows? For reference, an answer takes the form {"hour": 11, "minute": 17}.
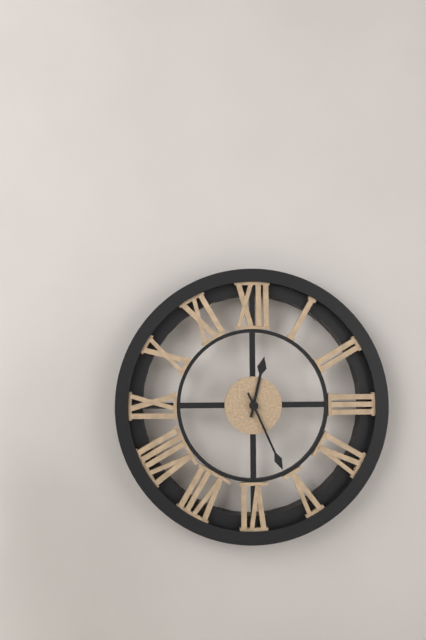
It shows {"hour": 12, "minute": 26}
